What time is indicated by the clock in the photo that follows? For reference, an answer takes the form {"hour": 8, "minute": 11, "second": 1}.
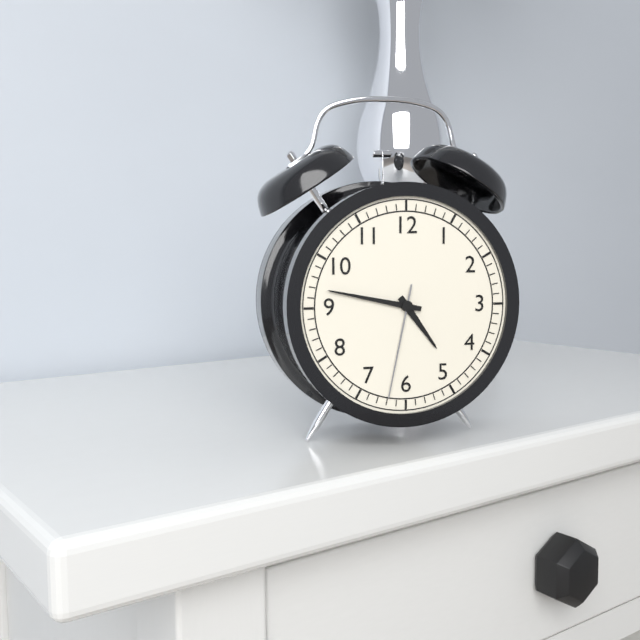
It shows {"hour": 4, "minute": 47, "second": 32}
